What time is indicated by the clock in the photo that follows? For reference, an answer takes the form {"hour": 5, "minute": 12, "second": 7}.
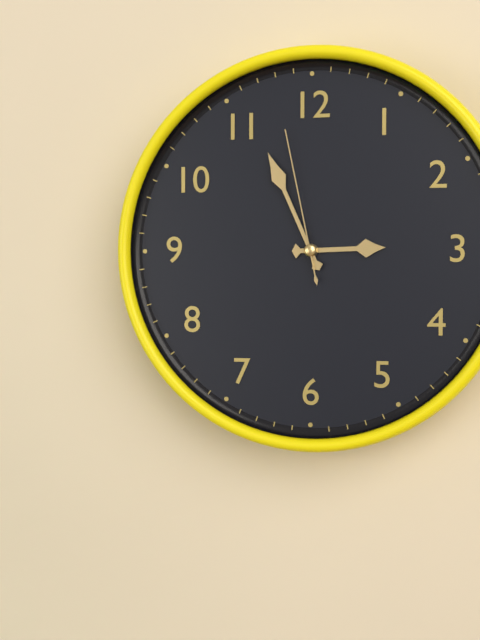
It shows {"hour": 2, "minute": 56, "second": 58}
